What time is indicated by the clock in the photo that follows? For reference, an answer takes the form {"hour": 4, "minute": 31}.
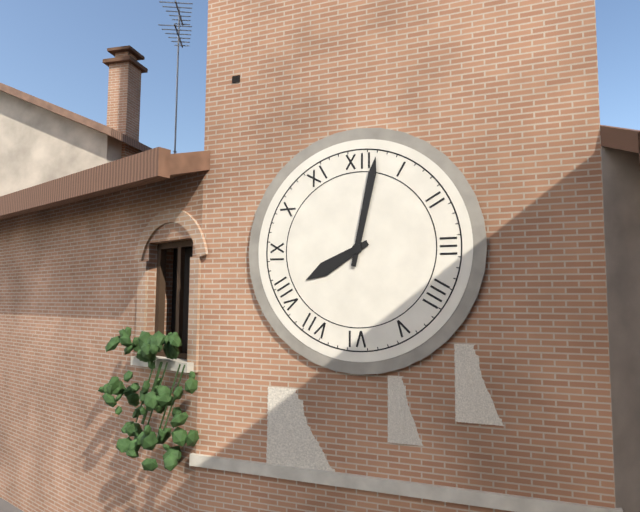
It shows {"hour": 8, "minute": 2}
